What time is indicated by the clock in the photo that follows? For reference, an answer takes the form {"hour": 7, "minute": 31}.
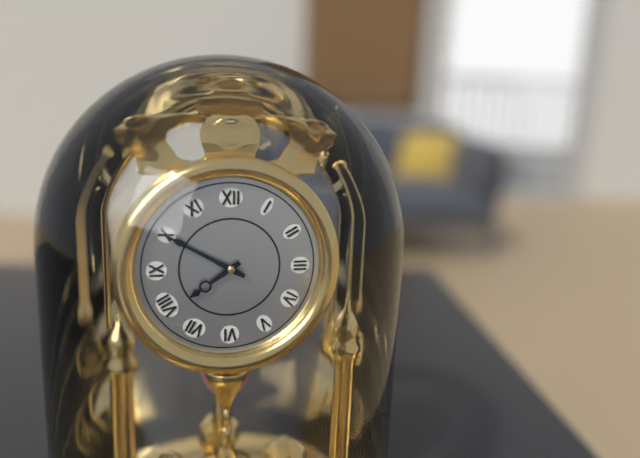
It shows {"hour": 7, "minute": 50}
